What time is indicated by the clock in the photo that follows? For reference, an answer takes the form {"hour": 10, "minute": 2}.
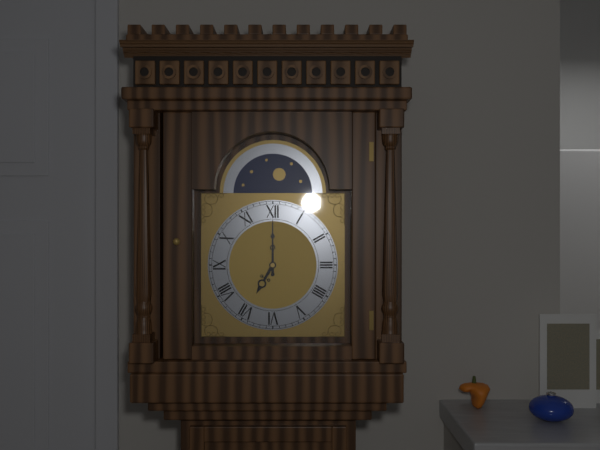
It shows {"hour": 7, "minute": 0}
